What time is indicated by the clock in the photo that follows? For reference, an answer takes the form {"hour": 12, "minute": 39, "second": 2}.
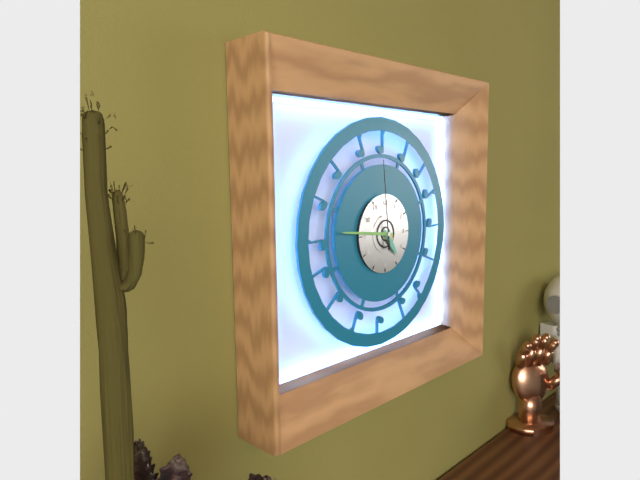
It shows {"hour": 4, "minute": 46, "second": 59}
